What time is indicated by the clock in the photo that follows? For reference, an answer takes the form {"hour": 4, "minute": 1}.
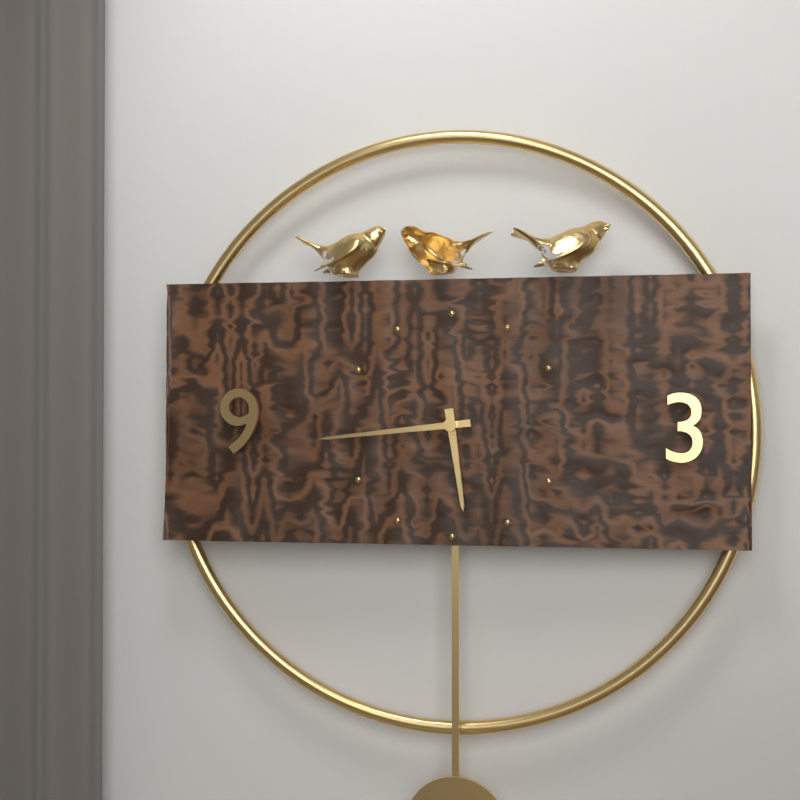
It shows {"hour": 5, "minute": 44}
